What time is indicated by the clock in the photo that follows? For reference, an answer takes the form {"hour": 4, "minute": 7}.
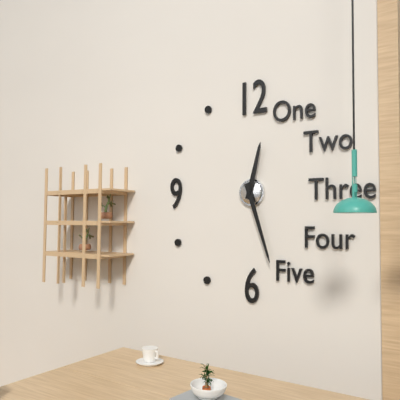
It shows {"hour": 12, "minute": 27}
